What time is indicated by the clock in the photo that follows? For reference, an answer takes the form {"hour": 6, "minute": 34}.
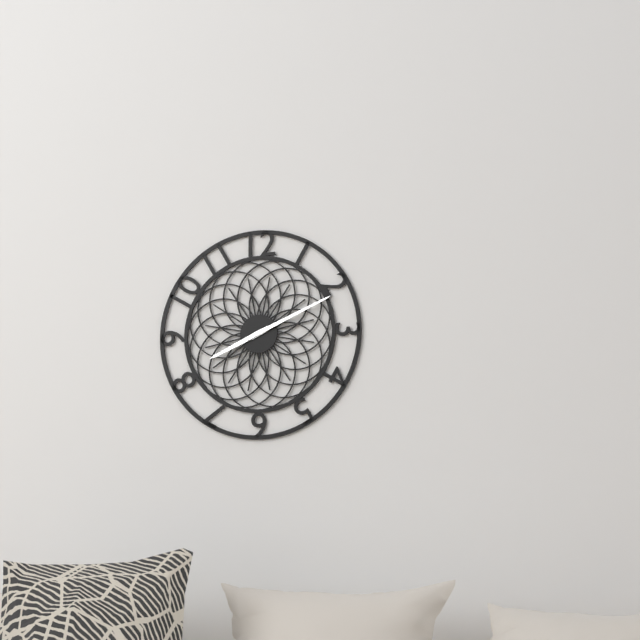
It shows {"hour": 8, "minute": 11}
